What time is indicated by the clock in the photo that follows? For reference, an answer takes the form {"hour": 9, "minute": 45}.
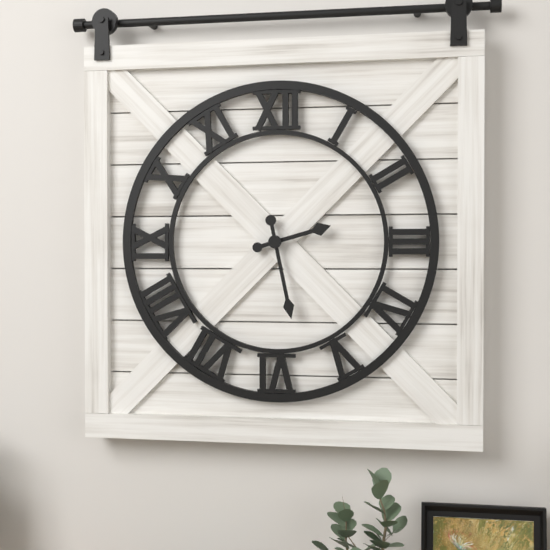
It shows {"hour": 2, "minute": 28}
